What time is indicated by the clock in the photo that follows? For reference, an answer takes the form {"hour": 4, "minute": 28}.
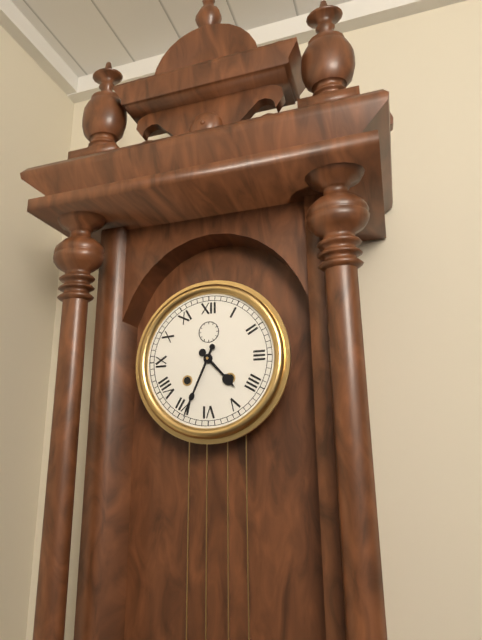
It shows {"hour": 4, "minute": 34}
